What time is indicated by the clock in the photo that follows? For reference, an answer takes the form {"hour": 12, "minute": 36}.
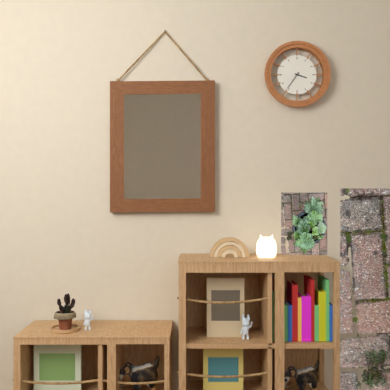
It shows {"hour": 3, "minute": 36}
